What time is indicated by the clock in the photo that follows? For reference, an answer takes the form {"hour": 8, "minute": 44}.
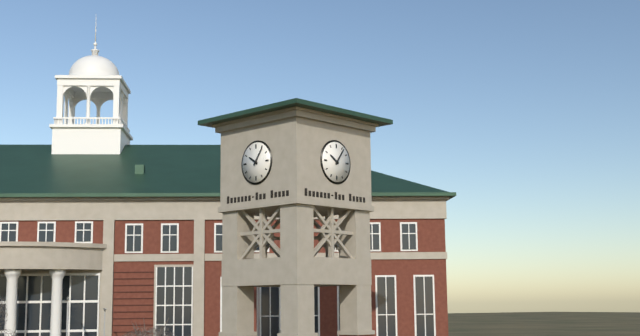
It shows {"hour": 10, "minute": 6}
